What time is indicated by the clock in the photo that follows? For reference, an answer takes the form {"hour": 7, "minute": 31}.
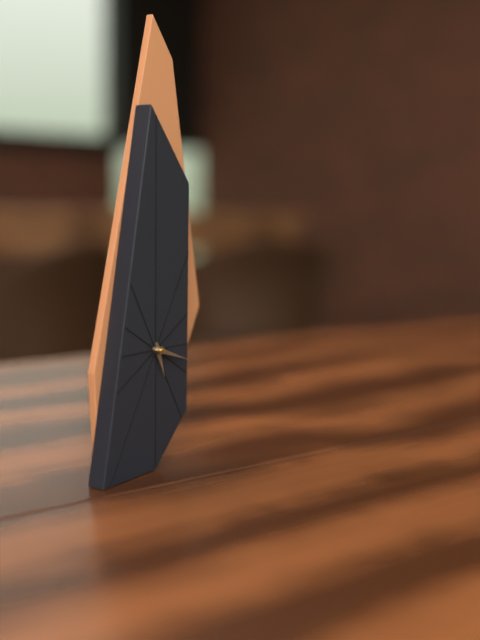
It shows {"hour": 5, "minute": 18}
